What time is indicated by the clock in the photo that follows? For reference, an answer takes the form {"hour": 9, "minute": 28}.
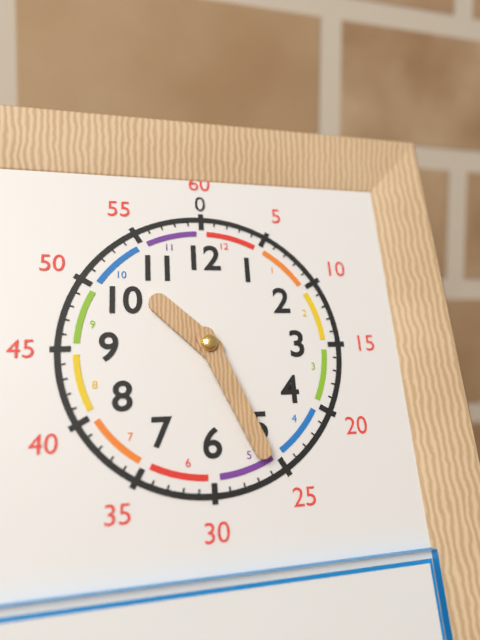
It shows {"hour": 10, "minute": 26}
